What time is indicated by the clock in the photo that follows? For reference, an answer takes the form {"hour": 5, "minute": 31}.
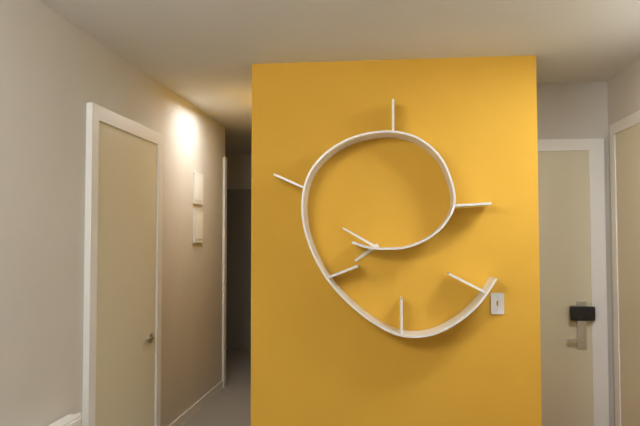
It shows {"hour": 7, "minute": 50}
